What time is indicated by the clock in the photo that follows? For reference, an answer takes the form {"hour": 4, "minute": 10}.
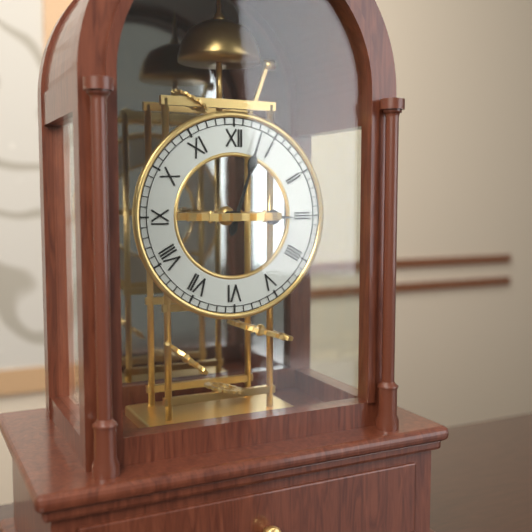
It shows {"hour": 3, "minute": 3}
